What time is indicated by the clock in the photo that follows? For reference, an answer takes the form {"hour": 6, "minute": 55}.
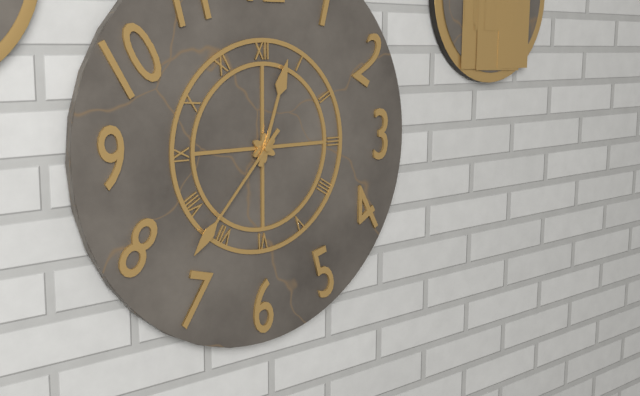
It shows {"hour": 12, "minute": 37}
